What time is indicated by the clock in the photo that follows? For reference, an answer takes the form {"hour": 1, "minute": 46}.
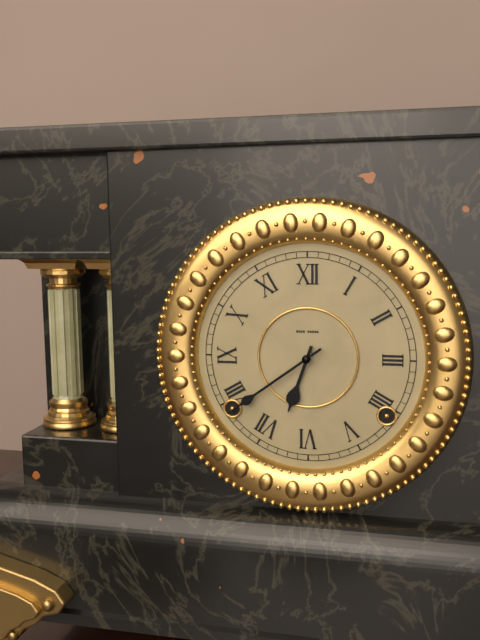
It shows {"hour": 6, "minute": 39}
